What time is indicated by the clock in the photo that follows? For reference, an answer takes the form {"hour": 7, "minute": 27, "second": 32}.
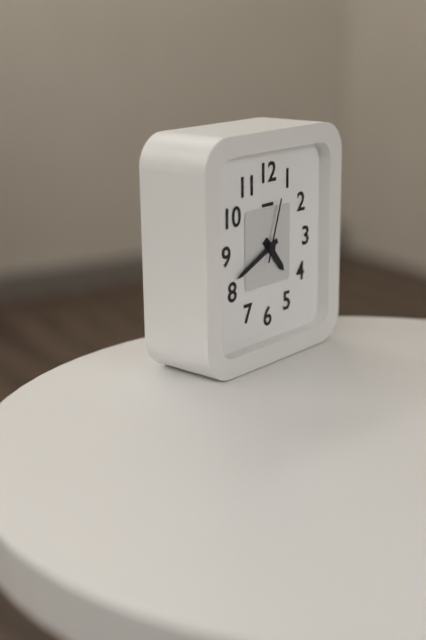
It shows {"hour": 4, "minute": 41, "second": 3}
